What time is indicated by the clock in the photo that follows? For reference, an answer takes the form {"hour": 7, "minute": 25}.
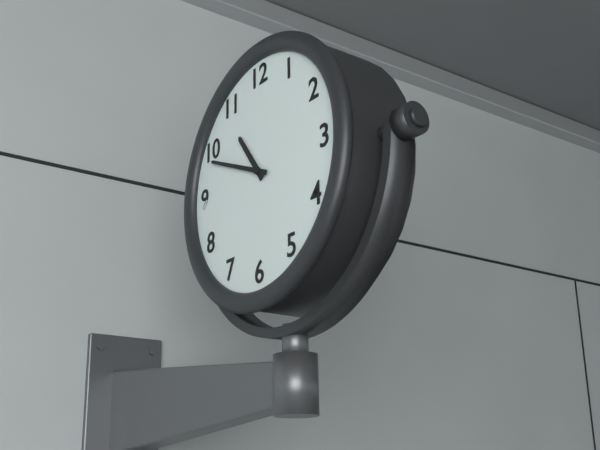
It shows {"hour": 10, "minute": 49}
